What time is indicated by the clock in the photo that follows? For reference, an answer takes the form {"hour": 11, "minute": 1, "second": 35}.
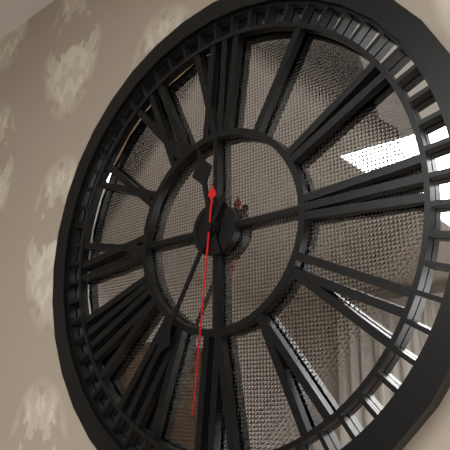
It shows {"hour": 11, "minute": 35, "second": 31}
